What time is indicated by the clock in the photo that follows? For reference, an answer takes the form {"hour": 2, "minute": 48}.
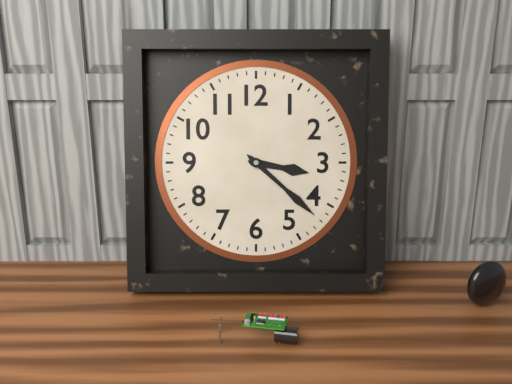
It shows {"hour": 3, "minute": 22}
